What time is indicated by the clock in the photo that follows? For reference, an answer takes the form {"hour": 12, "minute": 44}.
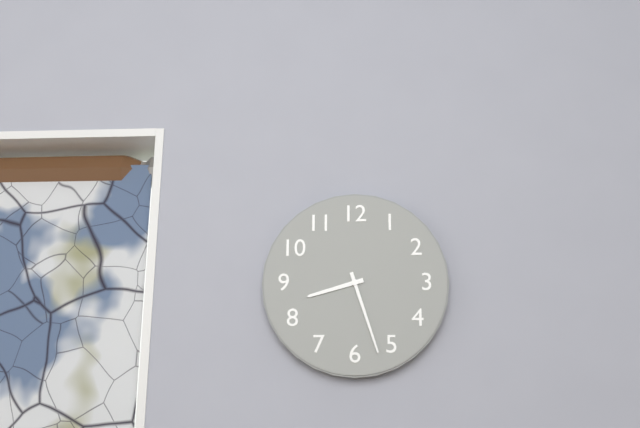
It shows {"hour": 8, "minute": 27}
